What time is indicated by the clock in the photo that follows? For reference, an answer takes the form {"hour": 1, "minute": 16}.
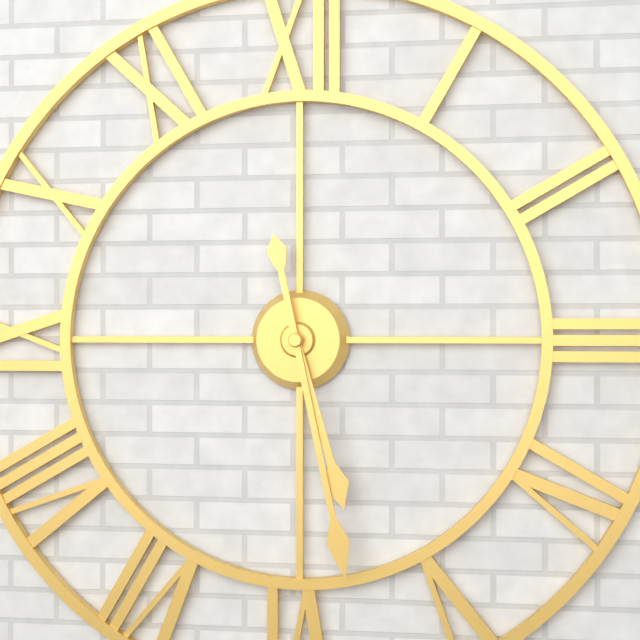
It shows {"hour": 5, "minute": 28}
